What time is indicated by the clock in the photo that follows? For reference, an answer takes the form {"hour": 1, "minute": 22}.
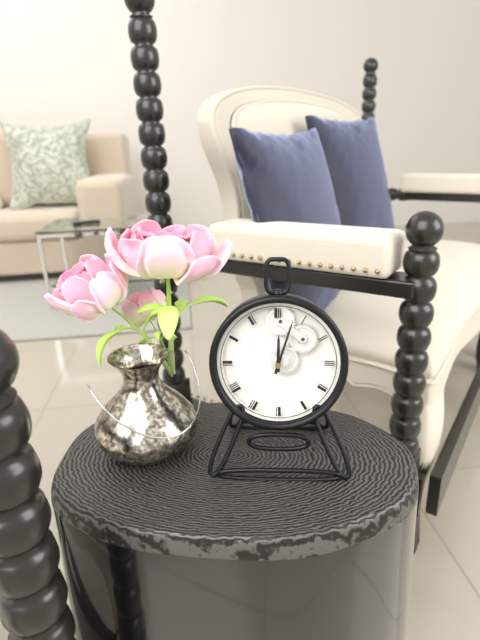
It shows {"hour": 12, "minute": 3}
